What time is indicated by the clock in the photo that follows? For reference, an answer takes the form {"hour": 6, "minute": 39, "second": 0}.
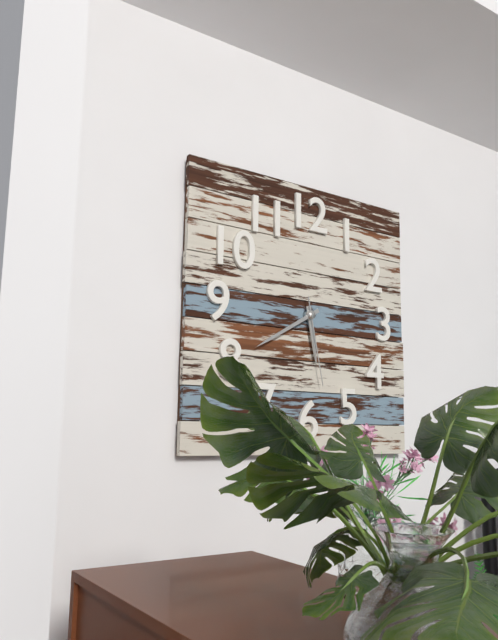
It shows {"hour": 5, "minute": 40, "second": 28}
